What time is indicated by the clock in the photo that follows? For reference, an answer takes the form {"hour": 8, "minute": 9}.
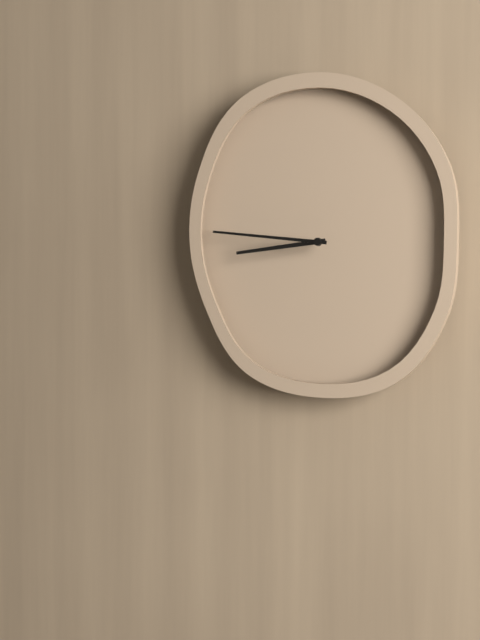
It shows {"hour": 8, "minute": 46}
